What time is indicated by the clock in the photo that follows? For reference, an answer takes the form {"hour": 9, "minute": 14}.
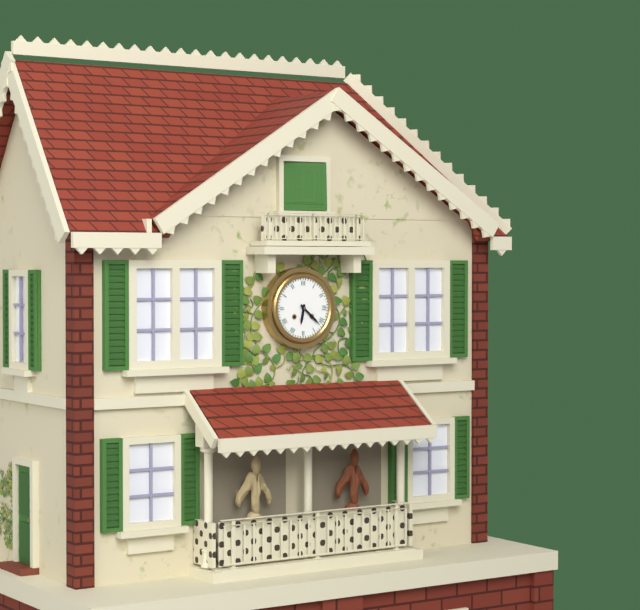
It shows {"hour": 6, "minute": 22}
